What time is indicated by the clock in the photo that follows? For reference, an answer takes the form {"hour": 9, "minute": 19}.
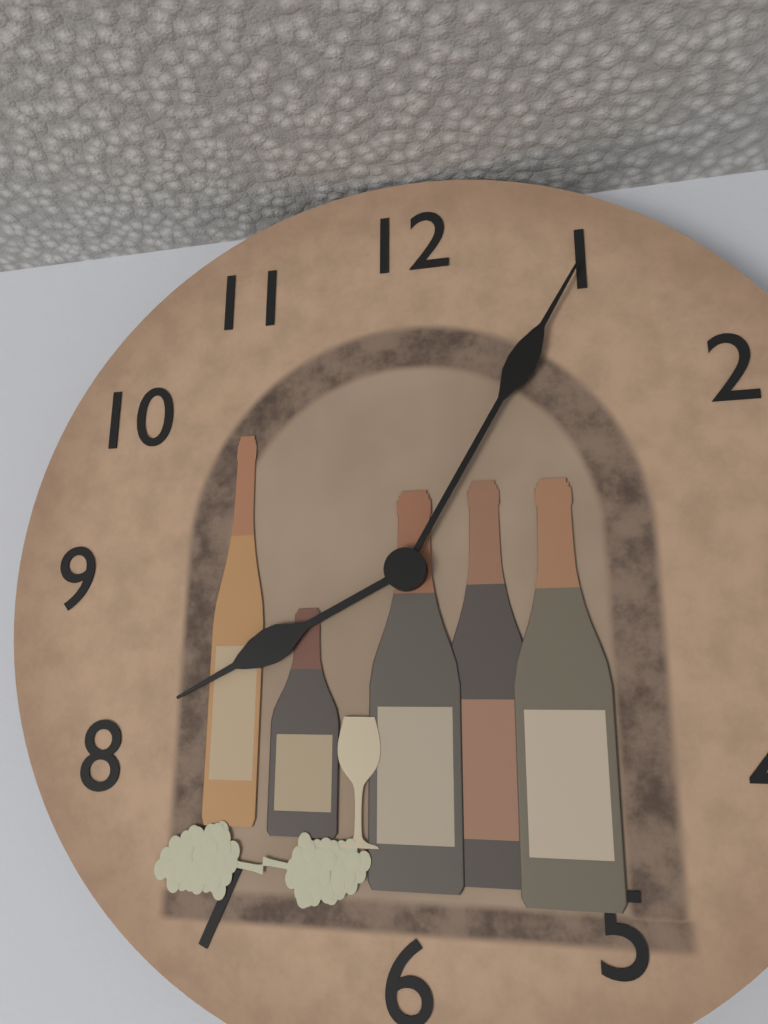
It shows {"hour": 8, "minute": 5}
